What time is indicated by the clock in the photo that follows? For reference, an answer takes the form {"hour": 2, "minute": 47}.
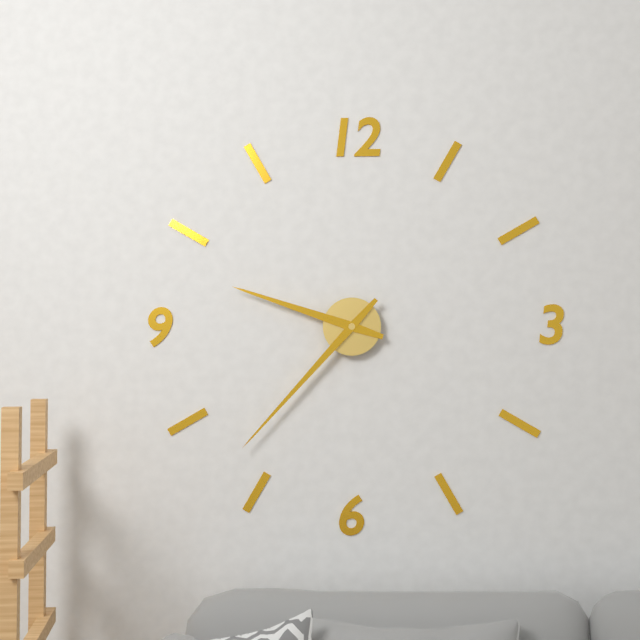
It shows {"hour": 9, "minute": 37}
